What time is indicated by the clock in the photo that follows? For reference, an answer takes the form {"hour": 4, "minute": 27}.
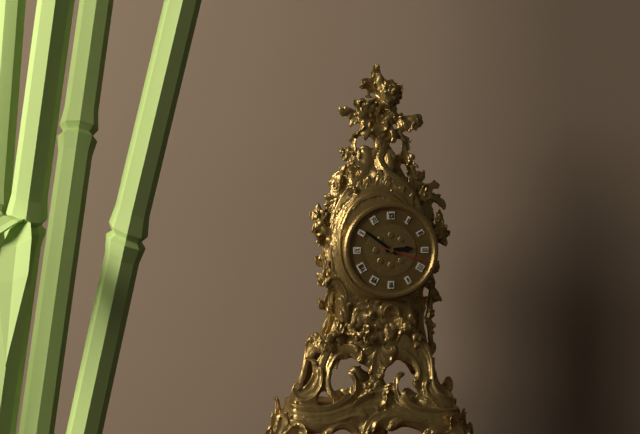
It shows {"hour": 2, "minute": 51}
